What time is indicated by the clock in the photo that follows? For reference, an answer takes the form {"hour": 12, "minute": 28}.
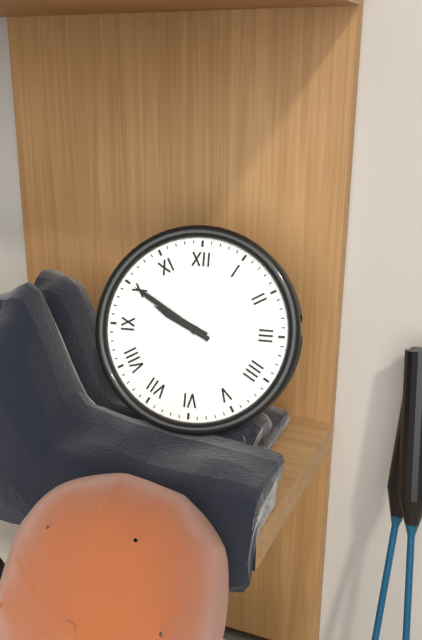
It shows {"hour": 9, "minute": 50}
